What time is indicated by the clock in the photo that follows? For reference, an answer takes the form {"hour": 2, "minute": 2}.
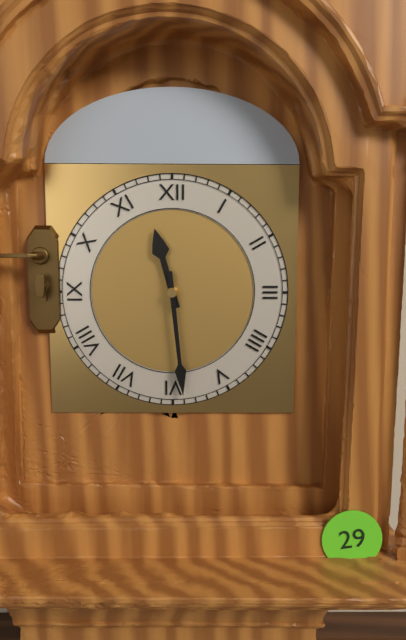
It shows {"hour": 11, "minute": 29}
